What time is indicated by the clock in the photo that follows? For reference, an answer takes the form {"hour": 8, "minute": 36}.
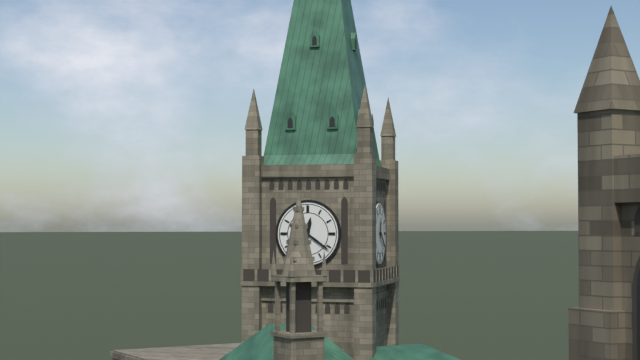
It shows {"hour": 12, "minute": 21}
